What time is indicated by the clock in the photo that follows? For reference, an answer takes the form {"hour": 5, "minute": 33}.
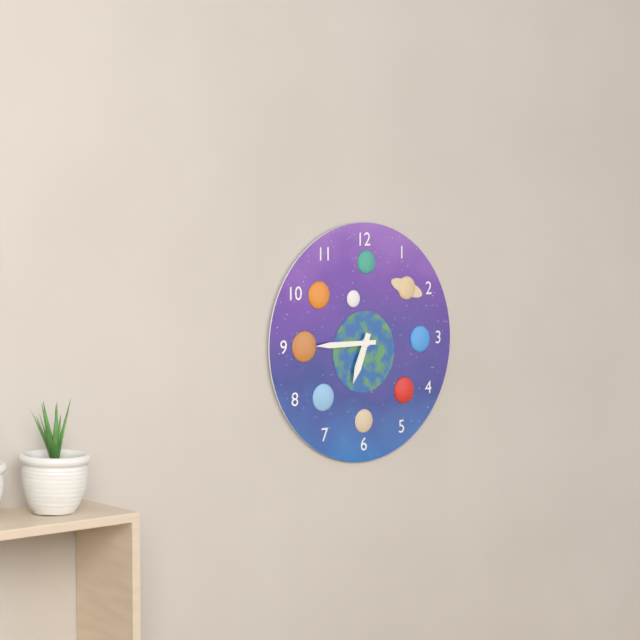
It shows {"hour": 6, "minute": 45}
